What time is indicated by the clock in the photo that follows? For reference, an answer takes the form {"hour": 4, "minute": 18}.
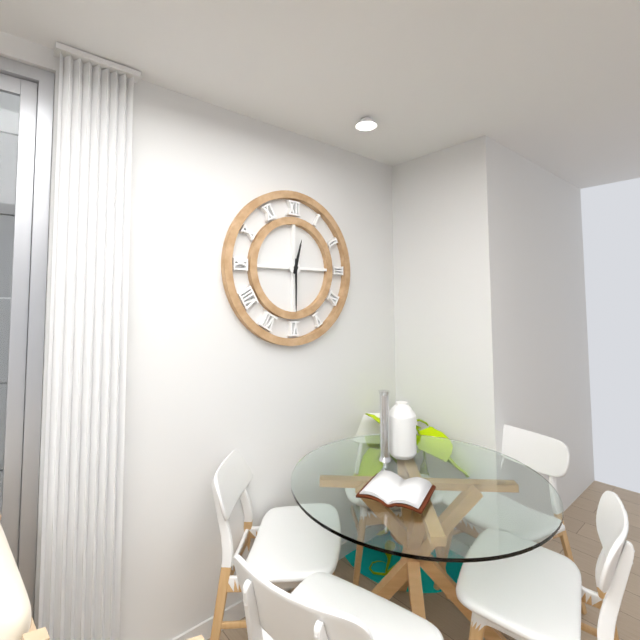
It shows {"hour": 12, "minute": 30}
